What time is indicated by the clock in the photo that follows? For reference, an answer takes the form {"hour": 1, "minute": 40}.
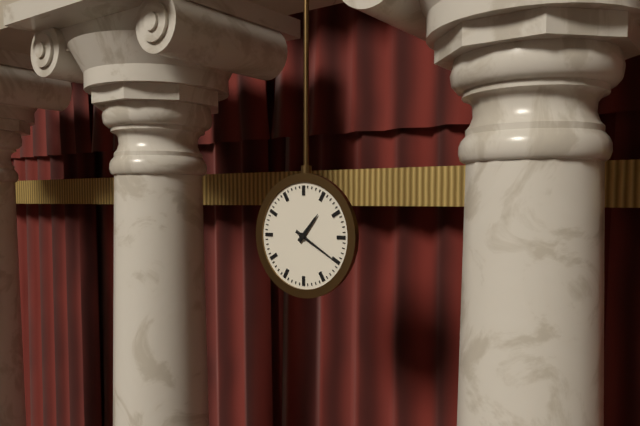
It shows {"hour": 1, "minute": 20}
